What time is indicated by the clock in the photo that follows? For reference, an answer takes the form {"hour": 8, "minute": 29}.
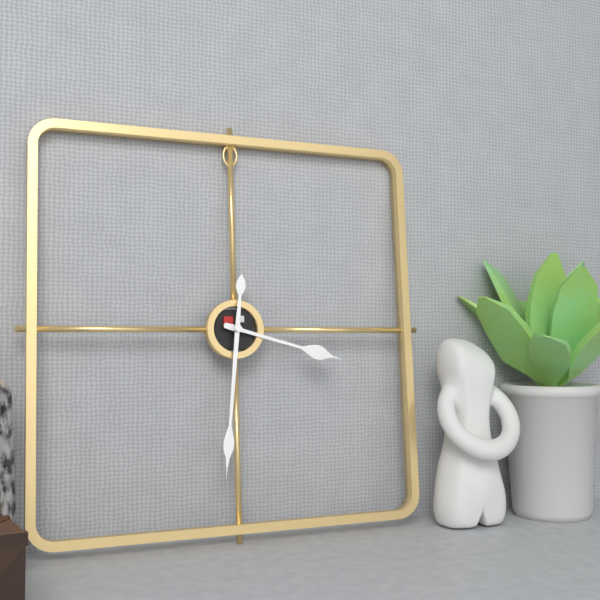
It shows {"hour": 3, "minute": 31}
